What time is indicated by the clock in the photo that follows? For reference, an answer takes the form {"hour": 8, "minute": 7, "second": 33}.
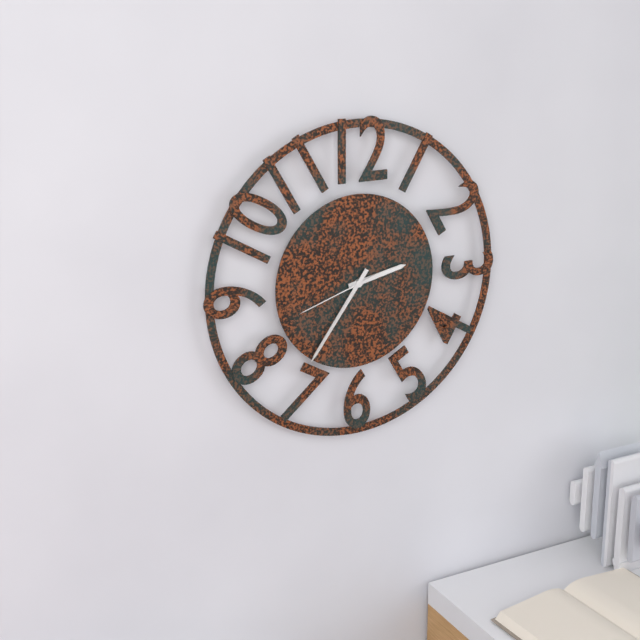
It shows {"hour": 2, "minute": 36, "second": 42}
